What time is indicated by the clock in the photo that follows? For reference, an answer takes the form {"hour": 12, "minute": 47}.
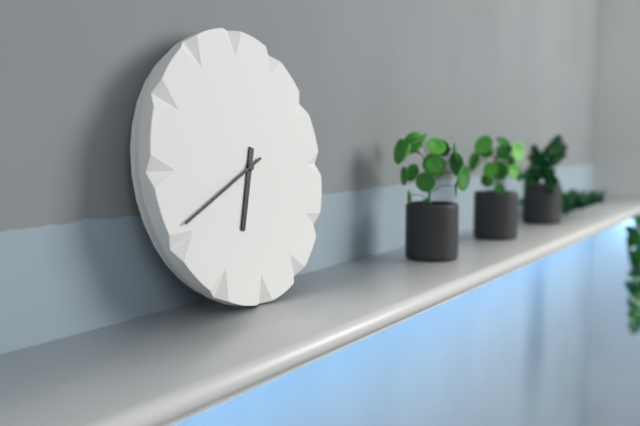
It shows {"hour": 6, "minute": 41}
